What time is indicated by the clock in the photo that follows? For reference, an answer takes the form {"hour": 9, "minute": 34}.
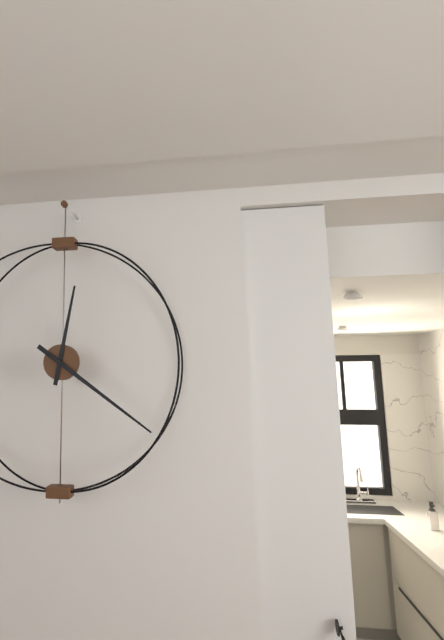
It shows {"hour": 12, "minute": 21}
